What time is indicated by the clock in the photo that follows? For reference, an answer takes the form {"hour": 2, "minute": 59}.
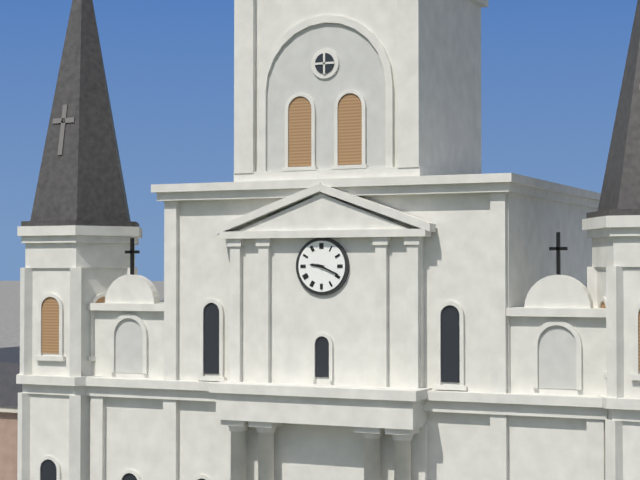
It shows {"hour": 9, "minute": 19}
